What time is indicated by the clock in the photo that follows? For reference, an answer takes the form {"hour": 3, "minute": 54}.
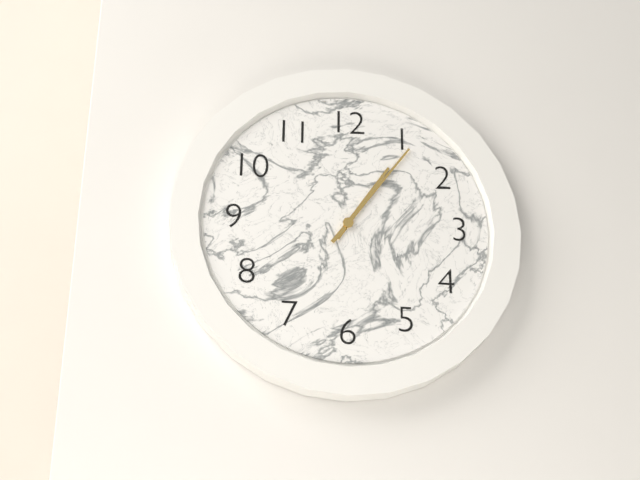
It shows {"hour": 1, "minute": 6}
